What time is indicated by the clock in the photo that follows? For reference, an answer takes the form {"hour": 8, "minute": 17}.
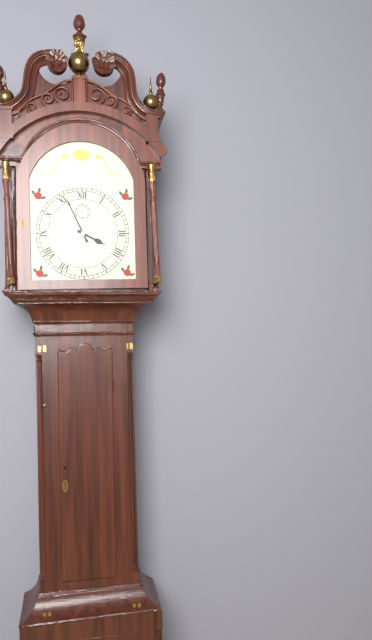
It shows {"hour": 3, "minute": 56}
